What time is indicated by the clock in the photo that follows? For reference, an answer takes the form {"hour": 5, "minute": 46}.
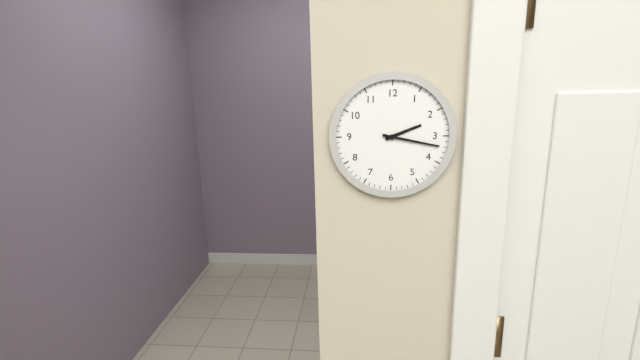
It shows {"hour": 2, "minute": 17}
